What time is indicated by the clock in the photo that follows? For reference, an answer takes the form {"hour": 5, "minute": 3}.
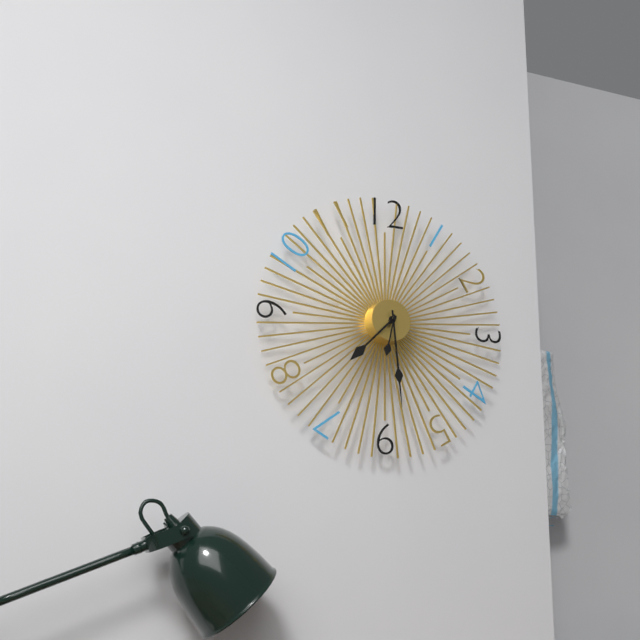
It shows {"hour": 7, "minute": 29}
